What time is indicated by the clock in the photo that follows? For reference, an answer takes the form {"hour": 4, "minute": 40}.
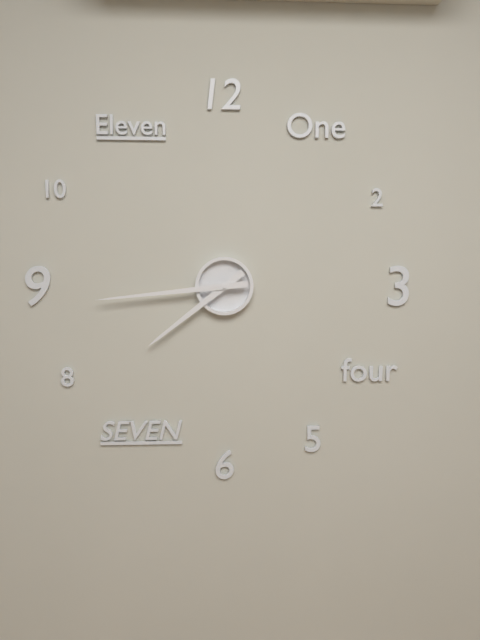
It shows {"hour": 7, "minute": 44}
